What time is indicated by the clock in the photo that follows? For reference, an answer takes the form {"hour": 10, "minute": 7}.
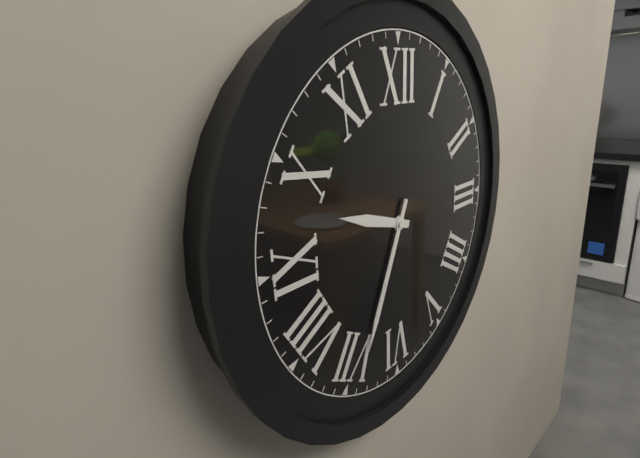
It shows {"hour": 9, "minute": 34}
